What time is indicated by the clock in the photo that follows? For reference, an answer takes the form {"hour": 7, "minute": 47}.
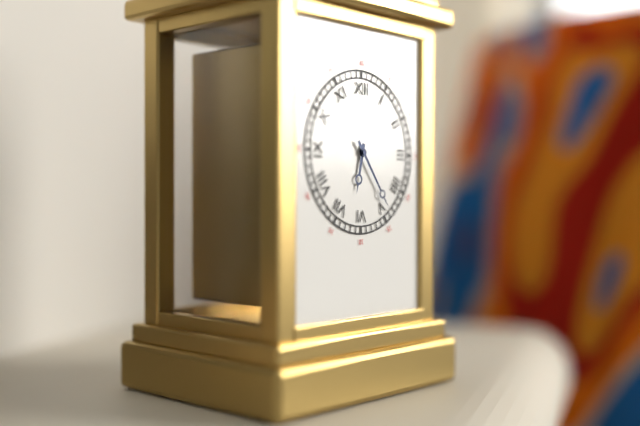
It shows {"hour": 6, "minute": 24}
